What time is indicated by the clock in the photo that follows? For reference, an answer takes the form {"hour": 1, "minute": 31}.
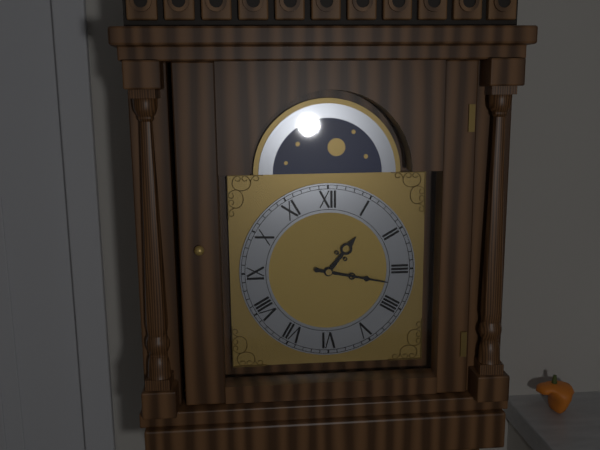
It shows {"hour": 1, "minute": 17}
